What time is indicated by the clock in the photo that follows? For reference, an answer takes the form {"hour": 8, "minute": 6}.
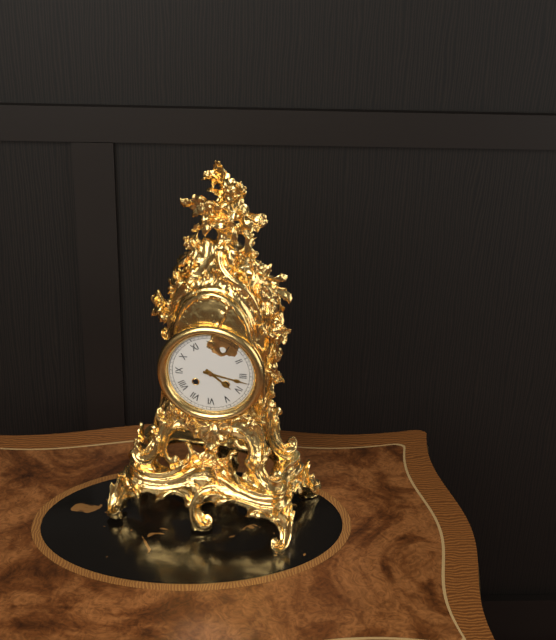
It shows {"hour": 4, "minute": 17}
